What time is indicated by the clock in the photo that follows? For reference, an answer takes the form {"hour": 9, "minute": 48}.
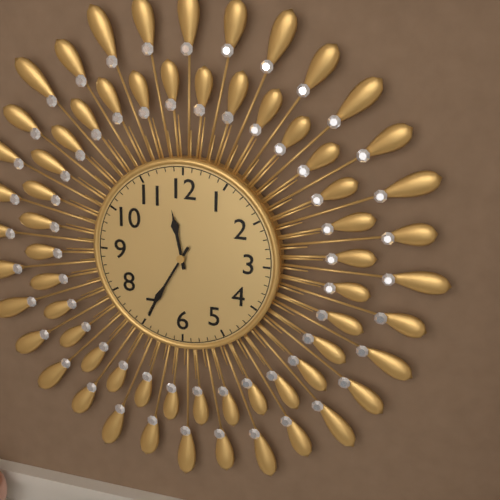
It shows {"hour": 11, "minute": 35}
